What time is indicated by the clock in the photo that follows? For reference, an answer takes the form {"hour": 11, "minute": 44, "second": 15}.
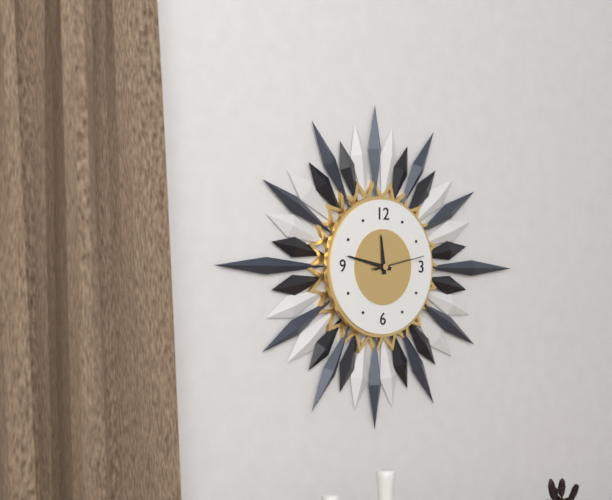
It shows {"hour": 11, "minute": 47, "second": 13}
